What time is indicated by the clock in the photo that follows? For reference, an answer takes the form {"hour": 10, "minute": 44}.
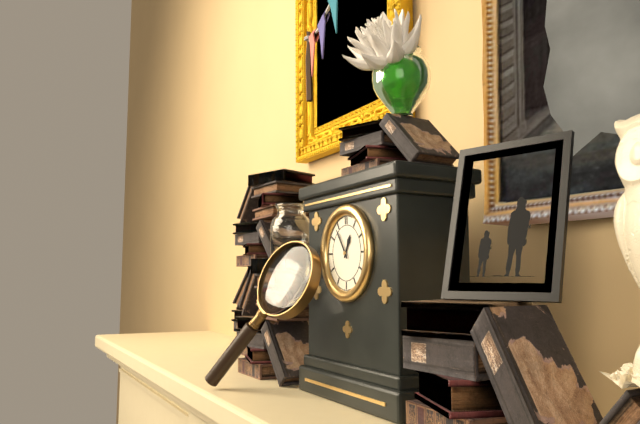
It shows {"hour": 12, "minute": 54}
